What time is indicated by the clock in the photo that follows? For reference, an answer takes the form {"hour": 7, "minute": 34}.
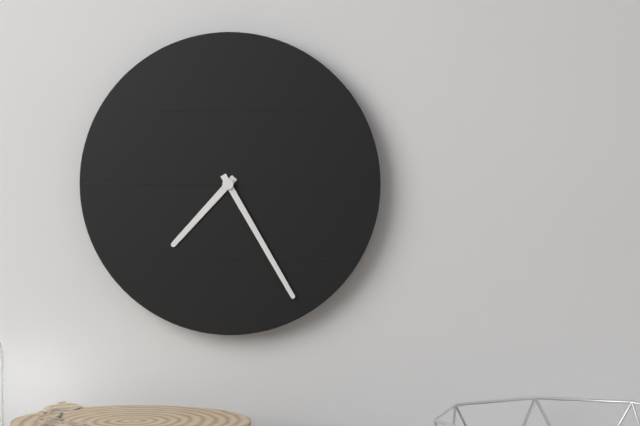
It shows {"hour": 7, "minute": 25}
